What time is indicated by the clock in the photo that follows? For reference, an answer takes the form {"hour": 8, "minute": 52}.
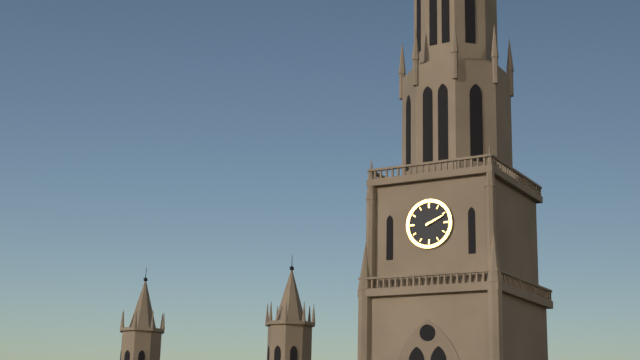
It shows {"hour": 2, "minute": 11}
